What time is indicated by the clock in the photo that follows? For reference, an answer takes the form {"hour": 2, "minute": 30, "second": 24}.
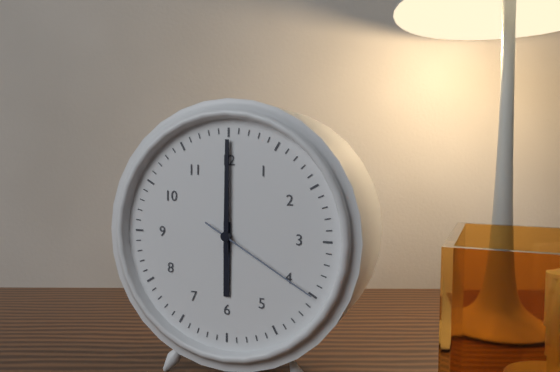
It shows {"hour": 6, "minute": 0, "second": 20}
